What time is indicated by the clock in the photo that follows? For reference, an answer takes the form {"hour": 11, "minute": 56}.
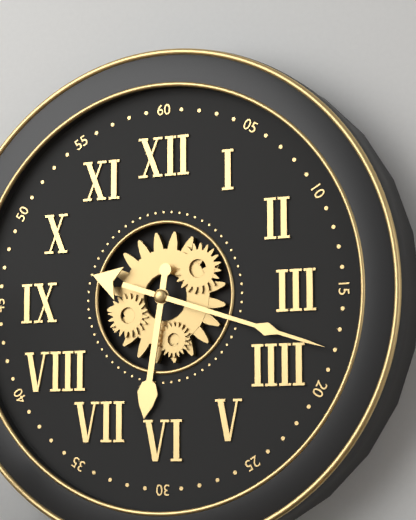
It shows {"hour": 6, "minute": 18}
